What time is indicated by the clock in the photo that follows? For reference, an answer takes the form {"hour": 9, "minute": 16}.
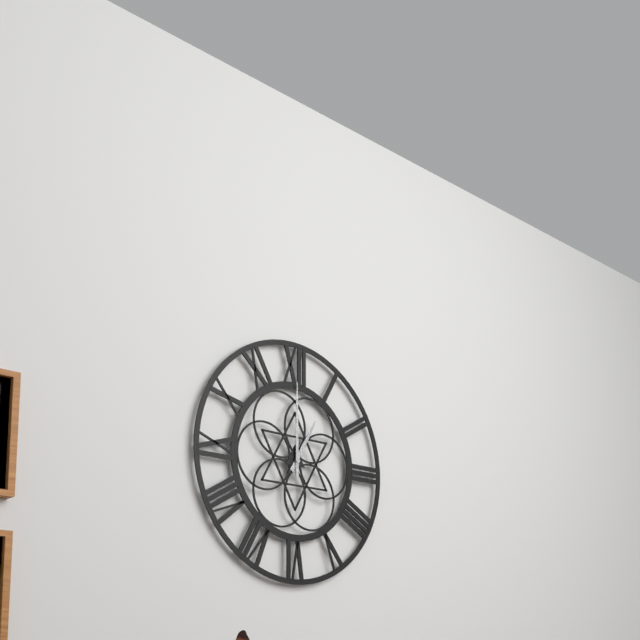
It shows {"hour": 1, "minute": 0}
